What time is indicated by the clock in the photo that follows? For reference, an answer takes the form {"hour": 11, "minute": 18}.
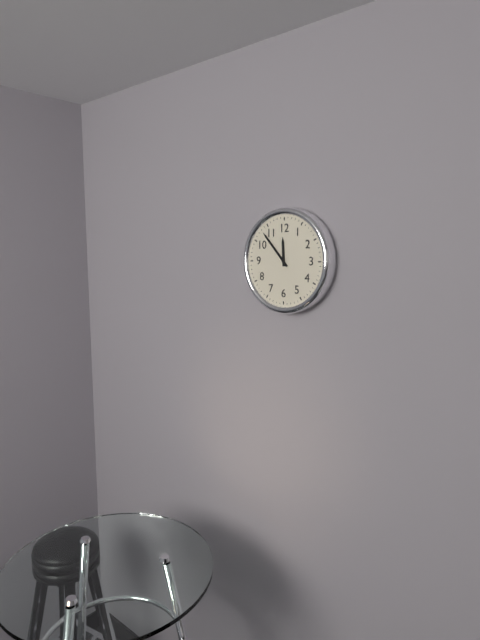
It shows {"hour": 11, "minute": 53}
